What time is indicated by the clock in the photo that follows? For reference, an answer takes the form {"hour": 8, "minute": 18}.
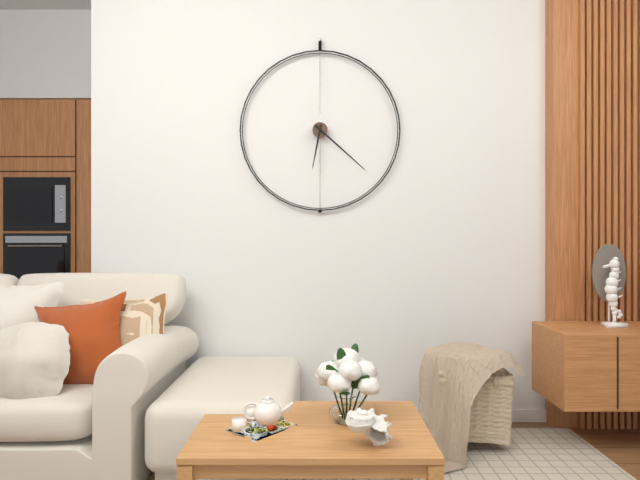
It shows {"hour": 6, "minute": 22}
